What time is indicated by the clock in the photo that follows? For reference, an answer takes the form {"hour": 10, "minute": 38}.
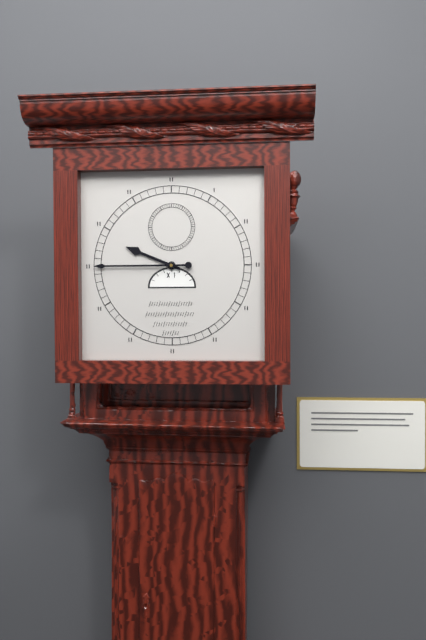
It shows {"hour": 9, "minute": 45}
